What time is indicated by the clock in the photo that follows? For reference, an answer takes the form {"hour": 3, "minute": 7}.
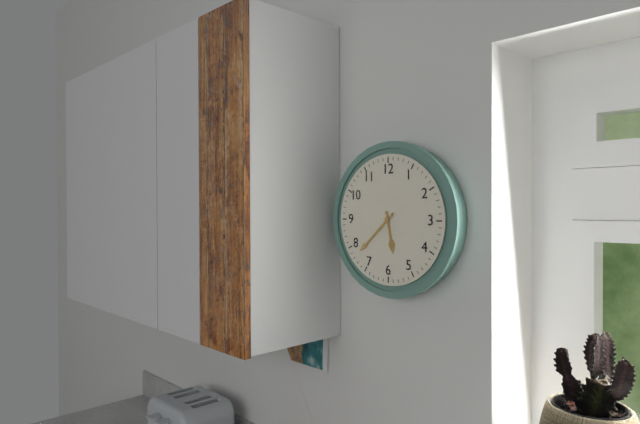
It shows {"hour": 5, "minute": 38}
